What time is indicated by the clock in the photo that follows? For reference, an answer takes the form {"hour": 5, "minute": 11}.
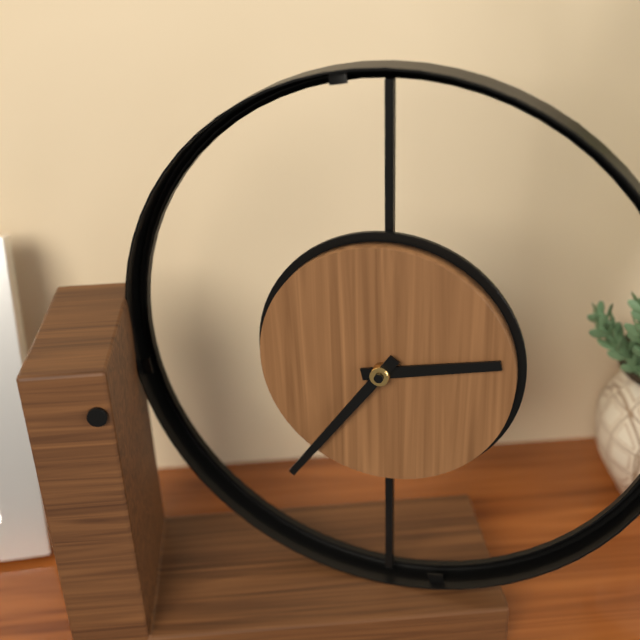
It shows {"hour": 2, "minute": 36}
